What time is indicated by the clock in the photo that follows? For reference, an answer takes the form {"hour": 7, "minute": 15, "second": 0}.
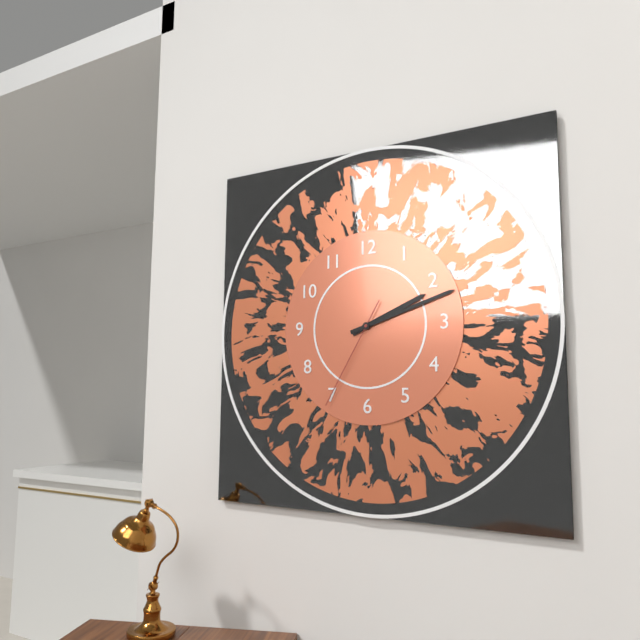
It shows {"hour": 2, "minute": 12, "second": 35}
